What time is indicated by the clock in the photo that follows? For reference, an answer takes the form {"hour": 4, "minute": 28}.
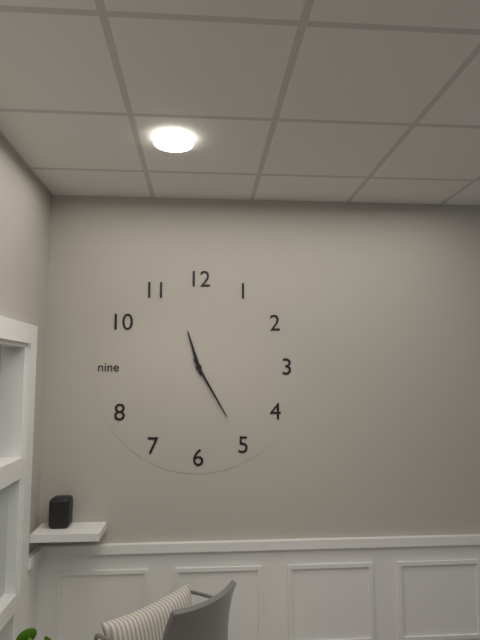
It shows {"hour": 11, "minute": 25}
